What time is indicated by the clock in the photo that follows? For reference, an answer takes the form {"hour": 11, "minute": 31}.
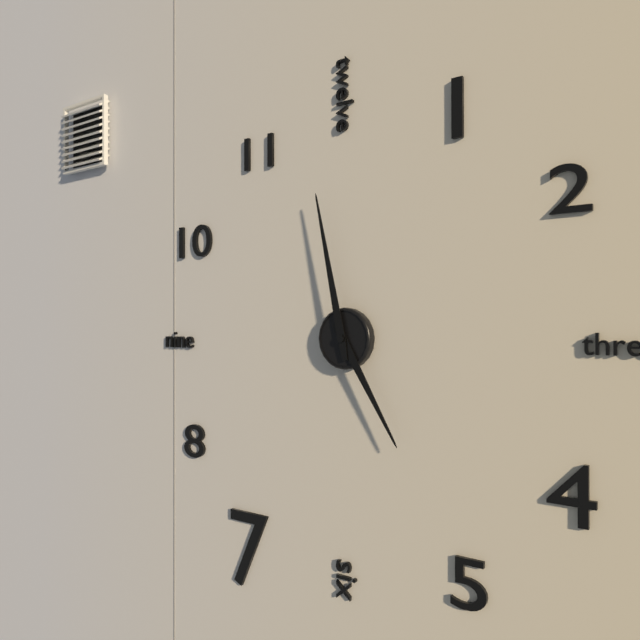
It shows {"hour": 4, "minute": 58}
